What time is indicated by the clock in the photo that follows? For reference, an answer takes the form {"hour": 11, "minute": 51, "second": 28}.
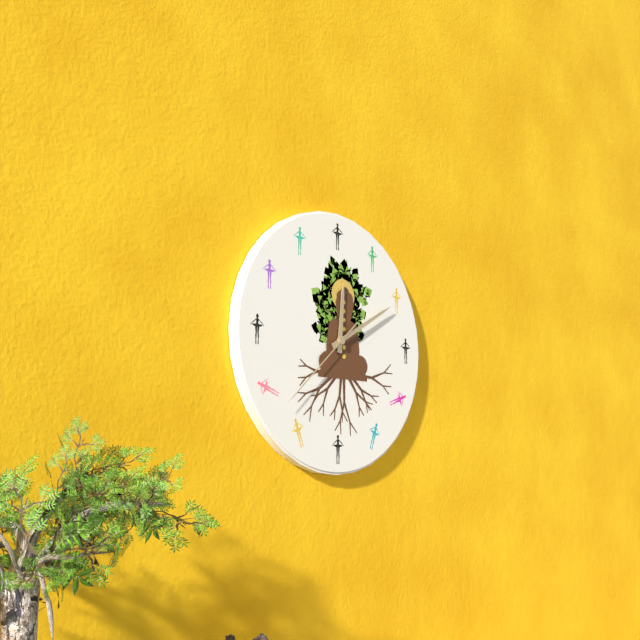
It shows {"hour": 12, "minute": 10, "second": 38}
